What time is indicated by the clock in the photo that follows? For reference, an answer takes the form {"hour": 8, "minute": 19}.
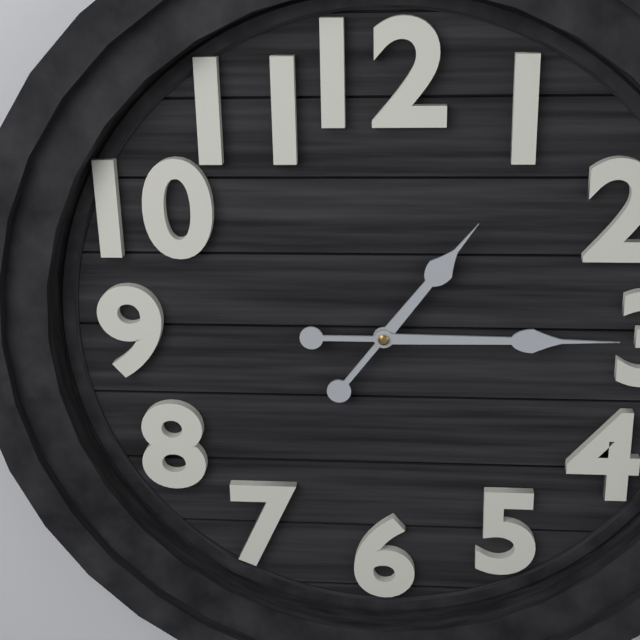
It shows {"hour": 1, "minute": 15}
